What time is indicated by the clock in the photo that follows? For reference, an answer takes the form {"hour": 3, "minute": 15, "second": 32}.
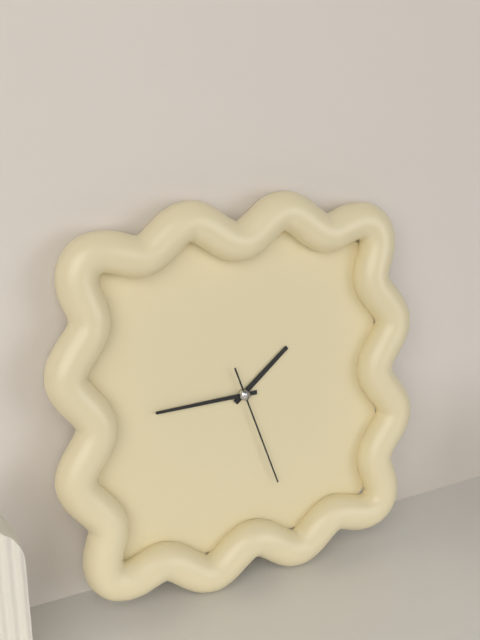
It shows {"hour": 1, "minute": 45, "second": 27}
